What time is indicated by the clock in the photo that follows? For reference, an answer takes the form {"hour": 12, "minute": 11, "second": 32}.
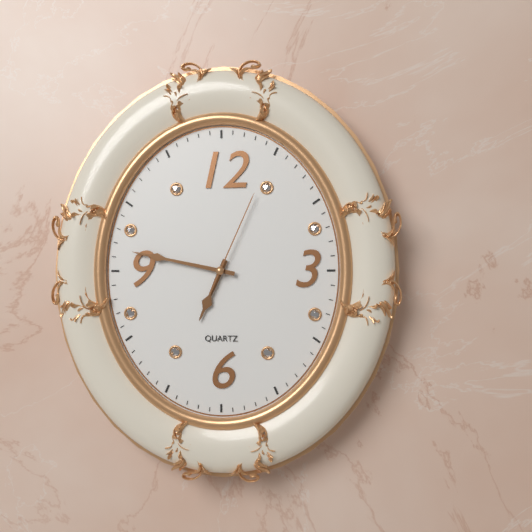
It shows {"hour": 6, "minute": 47, "second": 4}
